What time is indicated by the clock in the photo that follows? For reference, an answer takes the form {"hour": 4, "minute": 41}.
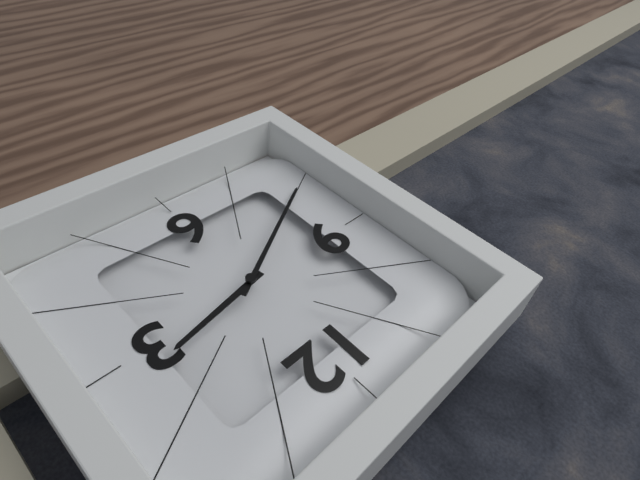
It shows {"hour": 2, "minute": 40}
